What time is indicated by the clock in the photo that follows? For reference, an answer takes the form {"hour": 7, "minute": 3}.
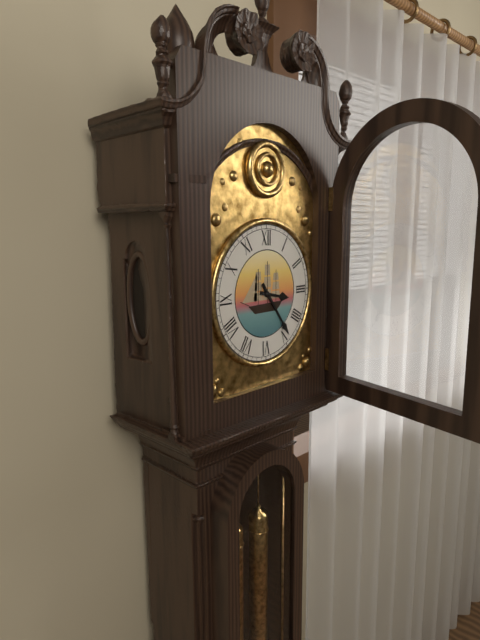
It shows {"hour": 3, "minute": 24}
